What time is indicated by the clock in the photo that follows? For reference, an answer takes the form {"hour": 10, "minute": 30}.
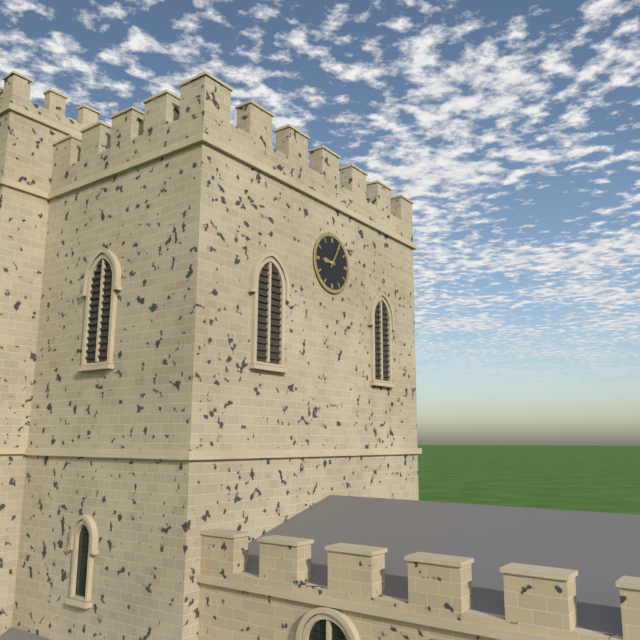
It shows {"hour": 9, "minute": 5}
